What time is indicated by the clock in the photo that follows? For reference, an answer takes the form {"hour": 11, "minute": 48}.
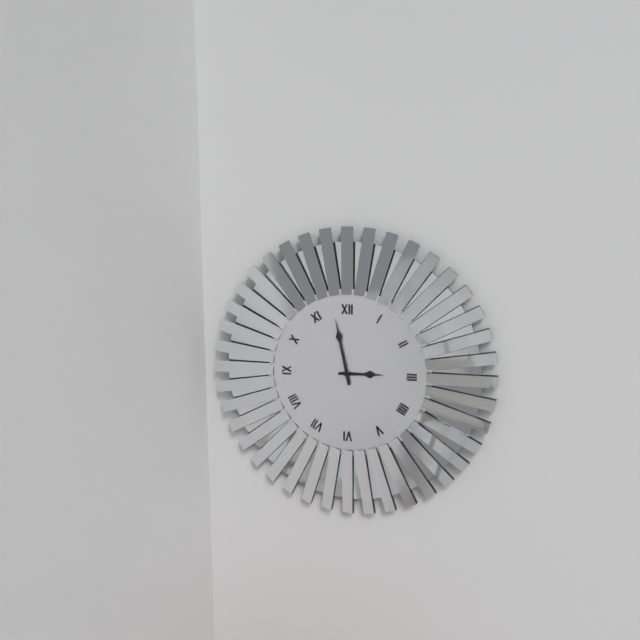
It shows {"hour": 2, "minute": 58}
